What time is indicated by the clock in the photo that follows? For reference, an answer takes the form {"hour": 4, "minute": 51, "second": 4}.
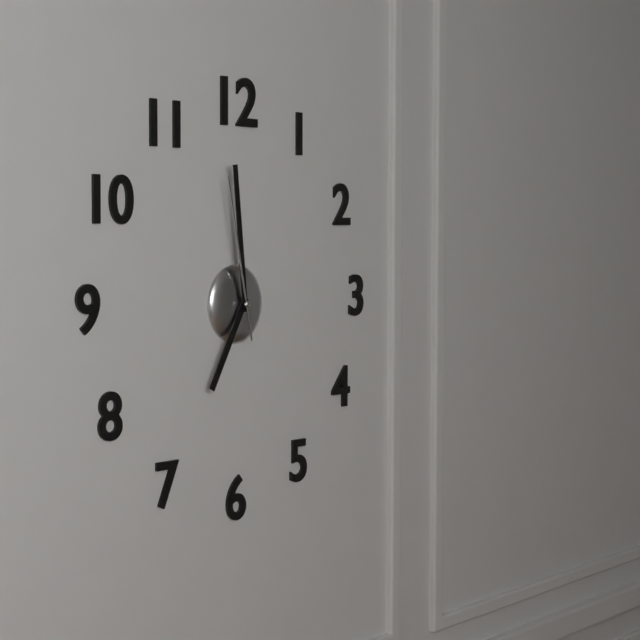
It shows {"hour": 6, "minute": 59, "second": 58}
